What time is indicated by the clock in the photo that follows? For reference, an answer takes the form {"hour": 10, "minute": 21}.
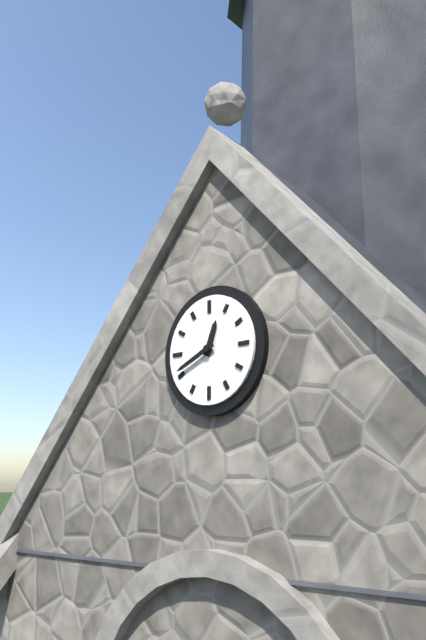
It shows {"hour": 12, "minute": 41}
